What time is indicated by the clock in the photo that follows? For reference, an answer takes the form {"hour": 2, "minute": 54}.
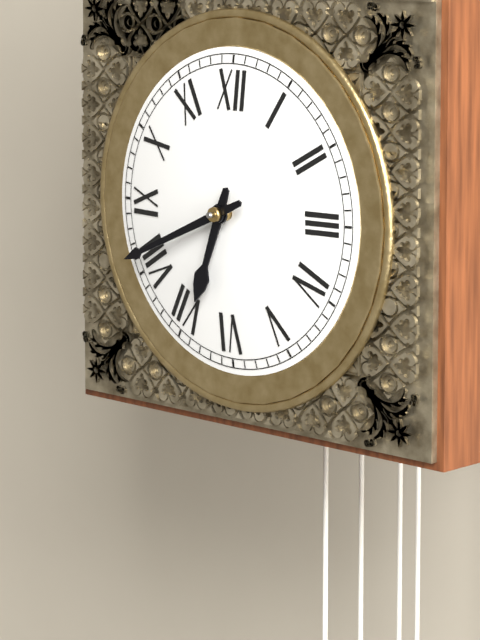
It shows {"hour": 6, "minute": 41}
